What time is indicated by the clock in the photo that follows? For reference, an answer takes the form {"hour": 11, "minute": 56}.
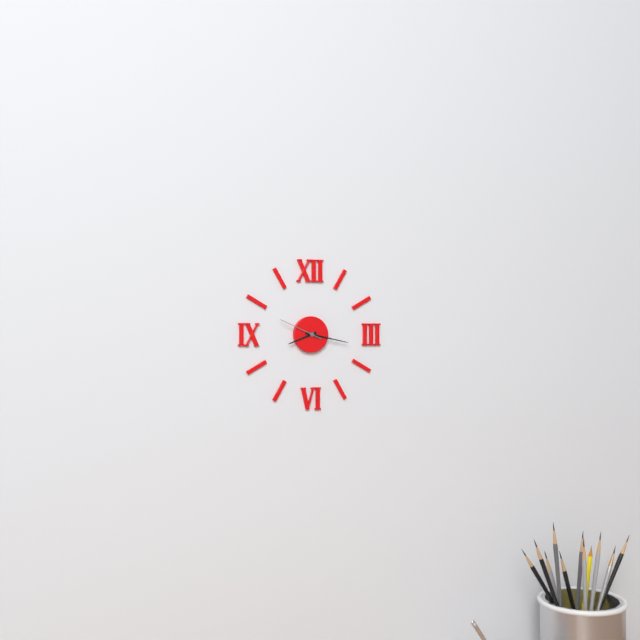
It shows {"hour": 8, "minute": 17}
